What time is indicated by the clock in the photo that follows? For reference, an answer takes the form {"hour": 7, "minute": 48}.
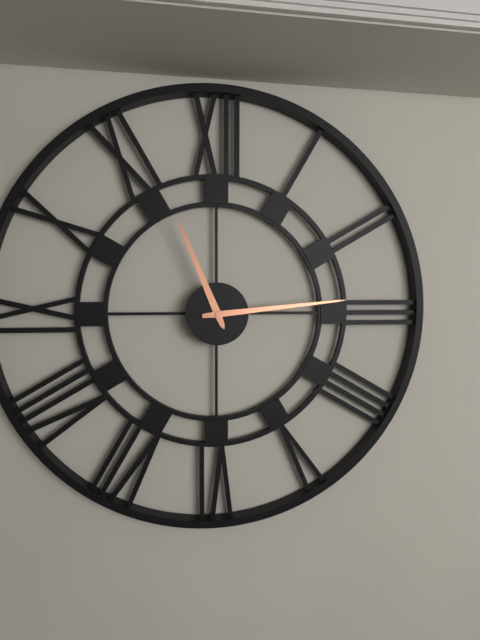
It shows {"hour": 11, "minute": 14}
